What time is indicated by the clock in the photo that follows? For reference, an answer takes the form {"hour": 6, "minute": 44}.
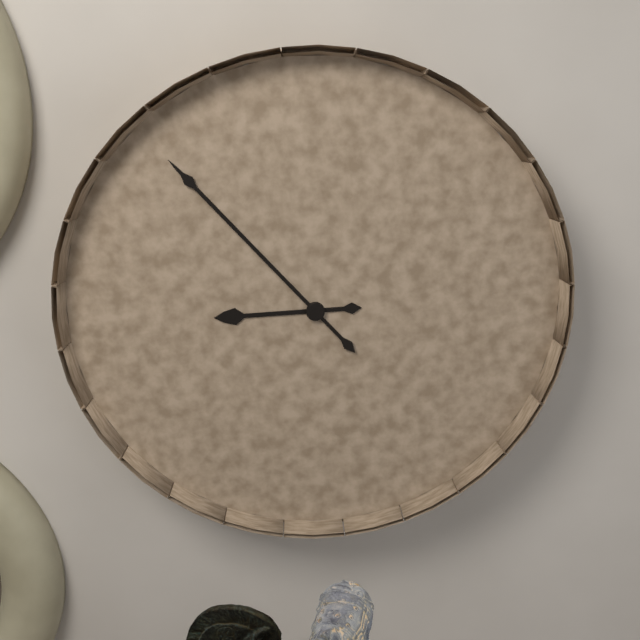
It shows {"hour": 8, "minute": 53}
